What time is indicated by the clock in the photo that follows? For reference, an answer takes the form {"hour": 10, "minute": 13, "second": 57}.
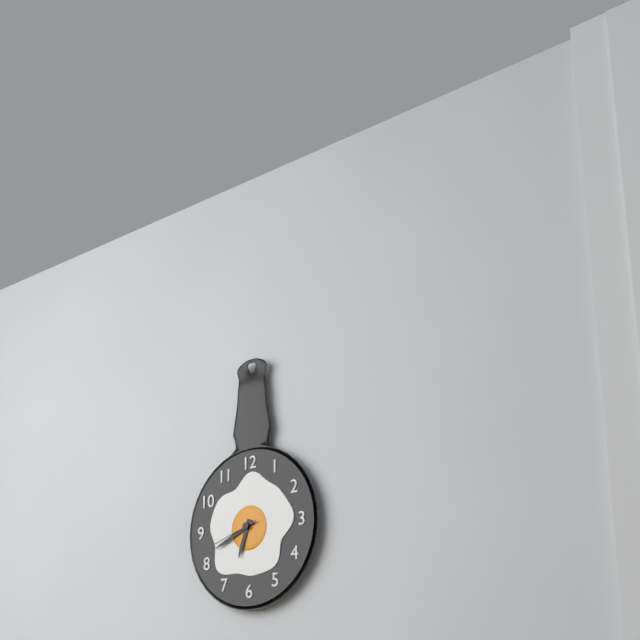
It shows {"hour": 6, "minute": 41, "second": 42}
